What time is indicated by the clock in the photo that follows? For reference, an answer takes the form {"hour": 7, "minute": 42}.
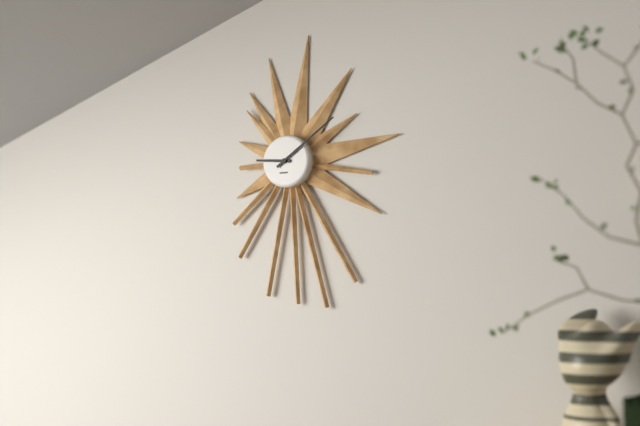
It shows {"hour": 9, "minute": 9}
